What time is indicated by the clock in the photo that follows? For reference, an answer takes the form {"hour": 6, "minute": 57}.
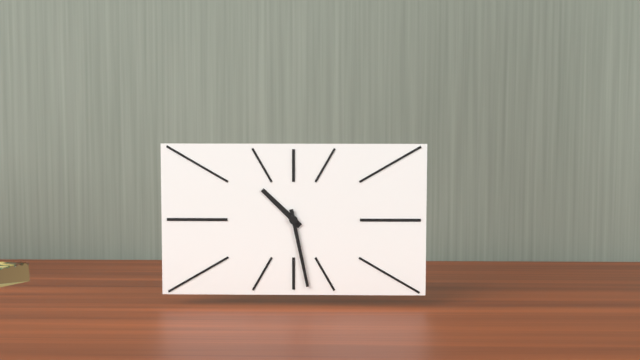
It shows {"hour": 10, "minute": 28}
